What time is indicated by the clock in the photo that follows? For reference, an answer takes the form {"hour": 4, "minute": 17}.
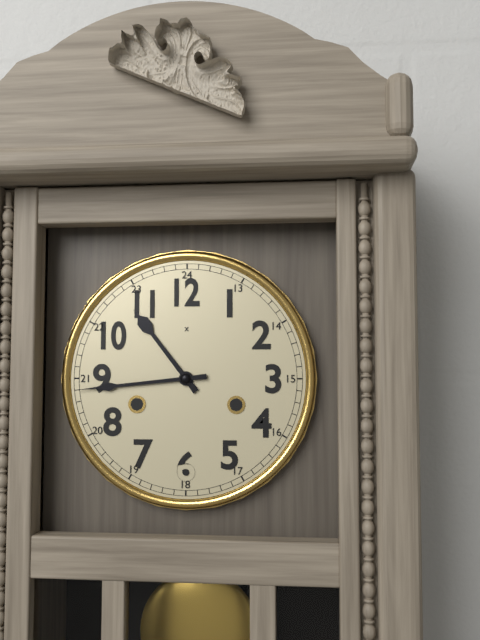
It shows {"hour": 10, "minute": 44}
